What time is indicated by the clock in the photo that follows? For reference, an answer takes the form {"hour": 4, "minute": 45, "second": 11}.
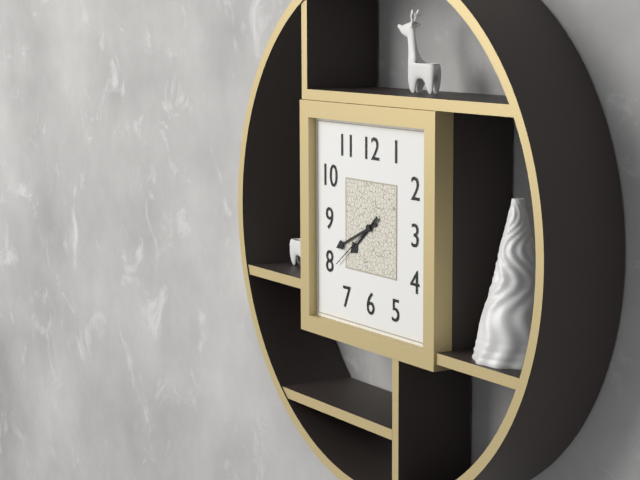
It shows {"hour": 7, "minute": 41, "second": 39}
